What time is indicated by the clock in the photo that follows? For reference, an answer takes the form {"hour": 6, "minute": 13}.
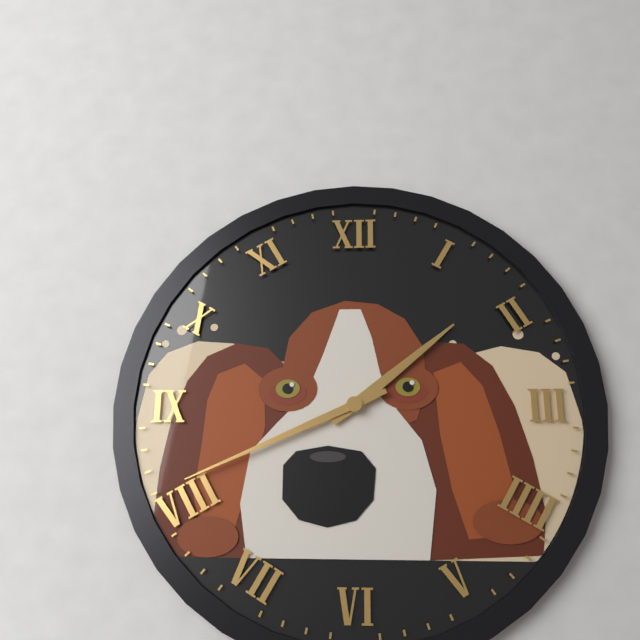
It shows {"hour": 1, "minute": 41}
